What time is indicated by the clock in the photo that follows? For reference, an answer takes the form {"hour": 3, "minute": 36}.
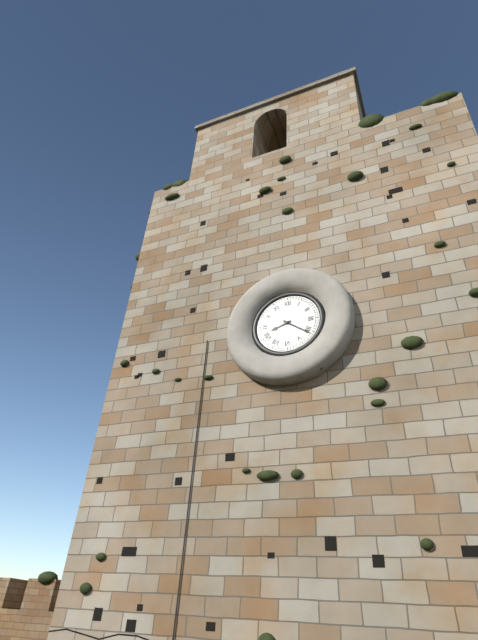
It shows {"hour": 8, "minute": 21}
